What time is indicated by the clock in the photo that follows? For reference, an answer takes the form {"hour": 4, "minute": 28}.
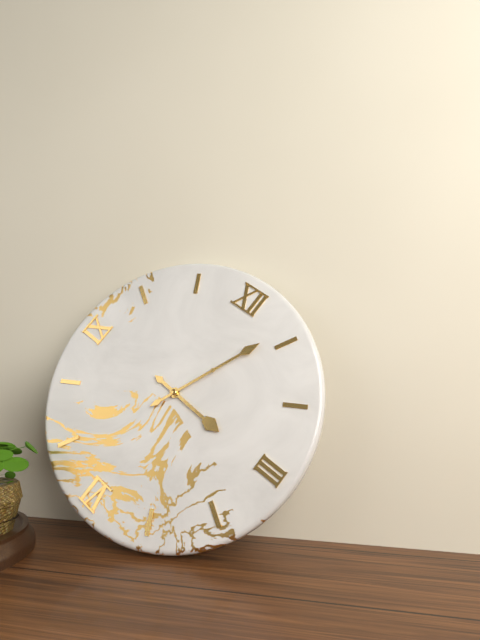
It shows {"hour": 3, "minute": 4}
